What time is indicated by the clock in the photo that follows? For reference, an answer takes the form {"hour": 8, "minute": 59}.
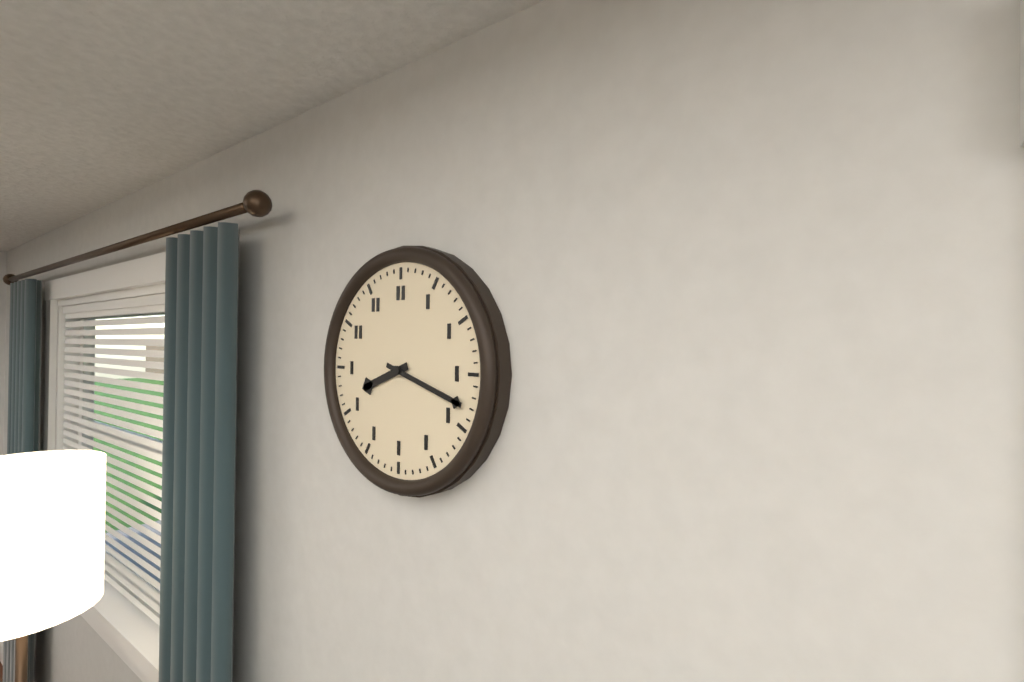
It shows {"hour": 8, "minute": 18}
